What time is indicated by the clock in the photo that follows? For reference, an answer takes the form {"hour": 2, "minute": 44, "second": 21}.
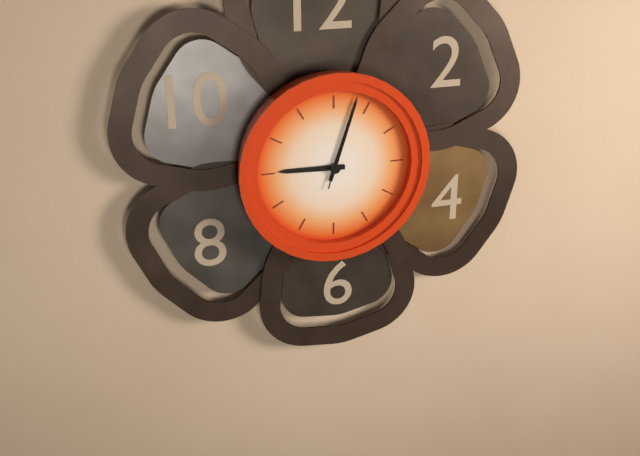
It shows {"hour": 9, "minute": 3, "second": 3}
